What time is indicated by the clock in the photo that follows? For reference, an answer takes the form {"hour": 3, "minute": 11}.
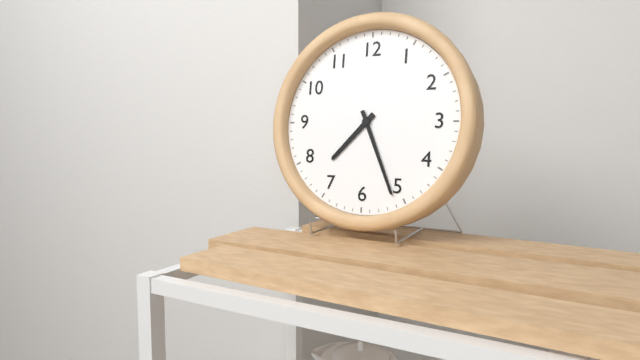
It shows {"hour": 7, "minute": 26}
